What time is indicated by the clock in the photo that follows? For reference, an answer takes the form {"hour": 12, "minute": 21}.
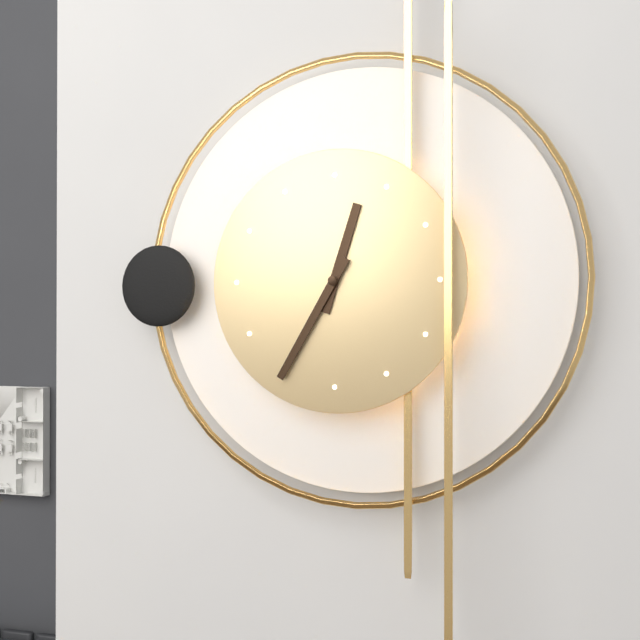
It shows {"hour": 12, "minute": 35}
